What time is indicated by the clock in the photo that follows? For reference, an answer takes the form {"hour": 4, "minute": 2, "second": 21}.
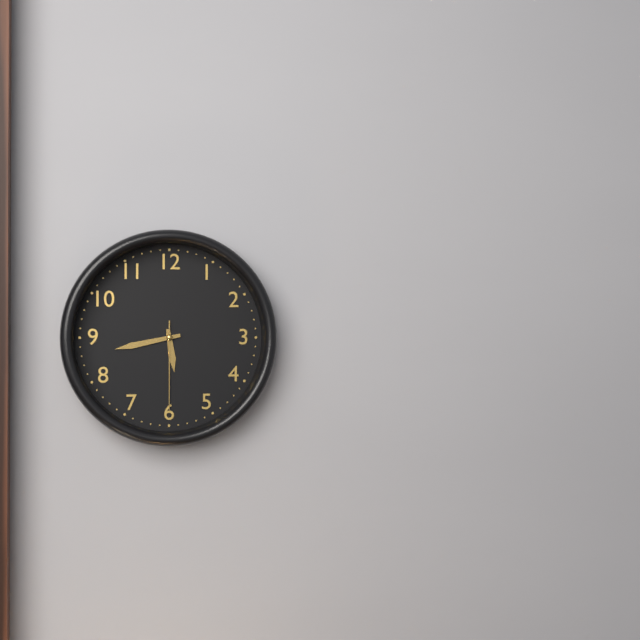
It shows {"hour": 5, "minute": 43, "second": 30}
